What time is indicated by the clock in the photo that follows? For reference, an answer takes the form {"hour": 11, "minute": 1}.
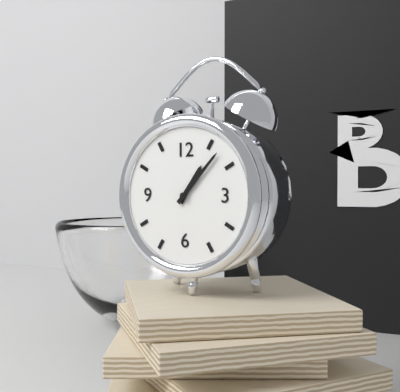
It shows {"hour": 1, "minute": 7}
